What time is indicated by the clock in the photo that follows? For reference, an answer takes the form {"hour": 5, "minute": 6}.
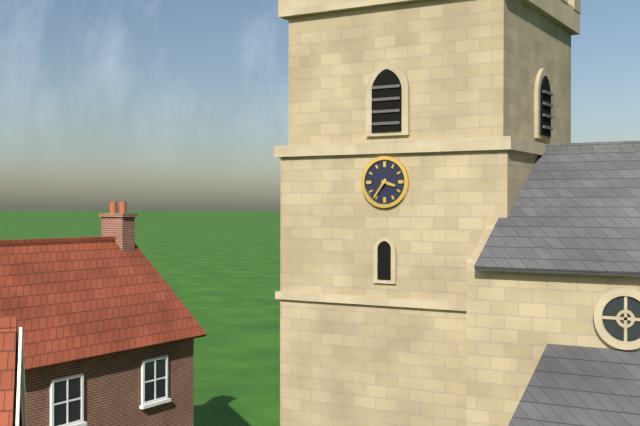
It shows {"hour": 3, "minute": 36}
